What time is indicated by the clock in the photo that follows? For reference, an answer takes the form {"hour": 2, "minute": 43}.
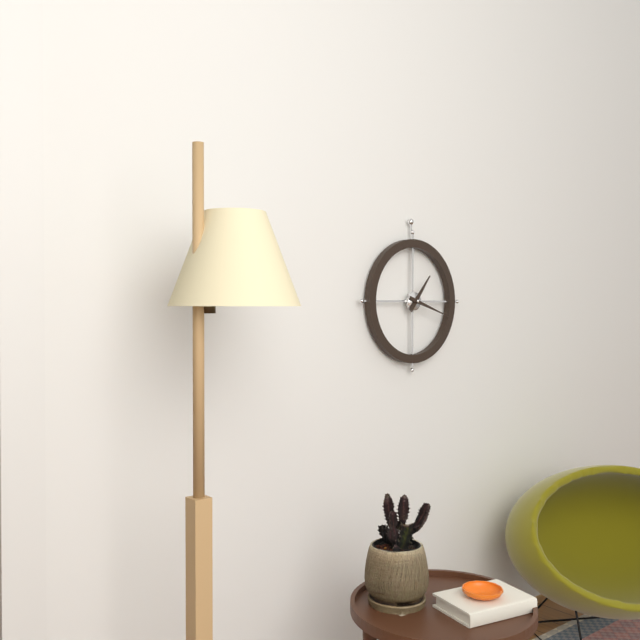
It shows {"hour": 1, "minute": 18}
